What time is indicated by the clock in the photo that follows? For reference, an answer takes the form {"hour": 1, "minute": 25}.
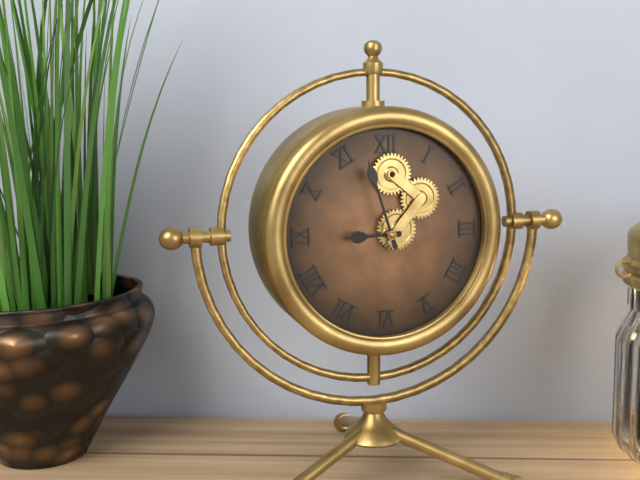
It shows {"hour": 8, "minute": 57}
